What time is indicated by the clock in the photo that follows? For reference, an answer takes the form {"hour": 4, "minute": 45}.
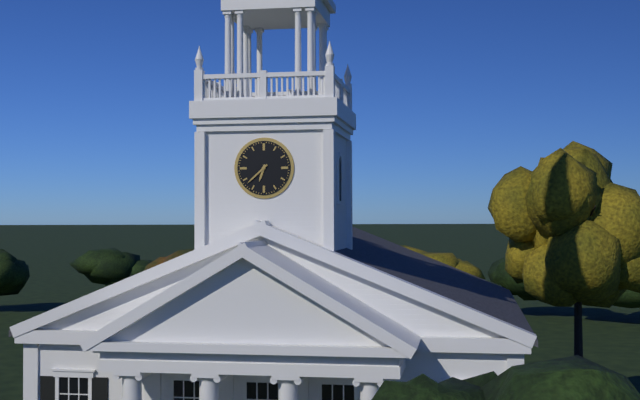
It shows {"hour": 6, "minute": 38}
